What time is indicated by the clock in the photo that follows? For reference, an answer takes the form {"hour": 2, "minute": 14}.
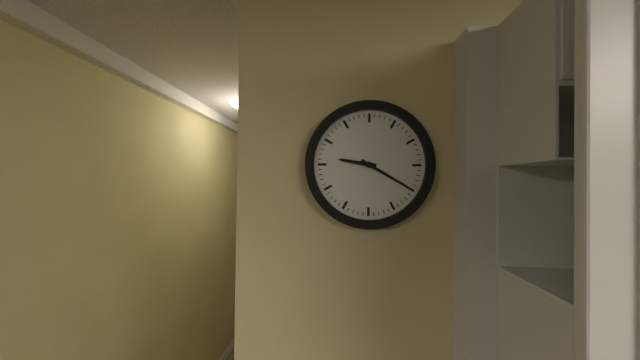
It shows {"hour": 9, "minute": 20}
